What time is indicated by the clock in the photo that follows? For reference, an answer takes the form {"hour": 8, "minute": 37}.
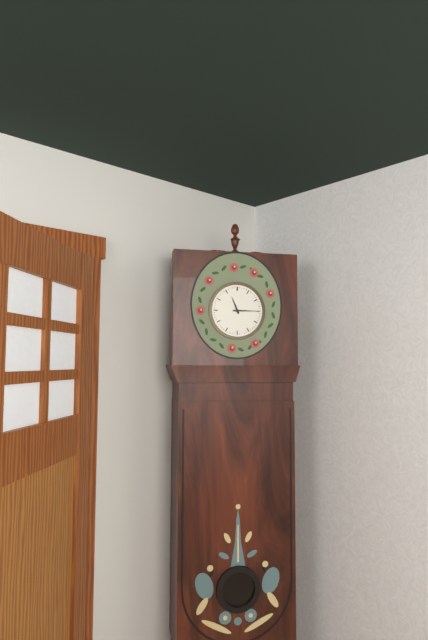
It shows {"hour": 11, "minute": 15}
